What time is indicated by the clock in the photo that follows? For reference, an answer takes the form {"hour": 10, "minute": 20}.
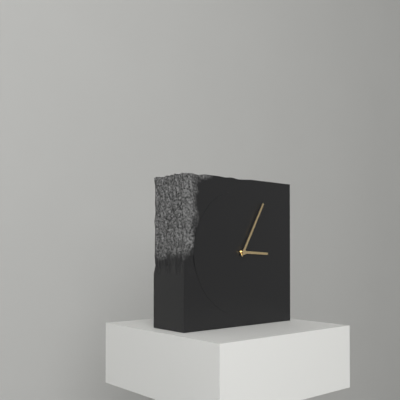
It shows {"hour": 3, "minute": 5}
